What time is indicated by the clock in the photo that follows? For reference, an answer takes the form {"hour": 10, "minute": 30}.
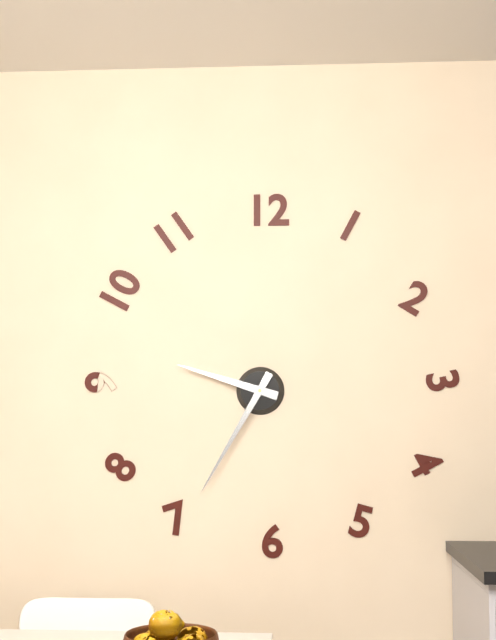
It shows {"hour": 9, "minute": 35}
